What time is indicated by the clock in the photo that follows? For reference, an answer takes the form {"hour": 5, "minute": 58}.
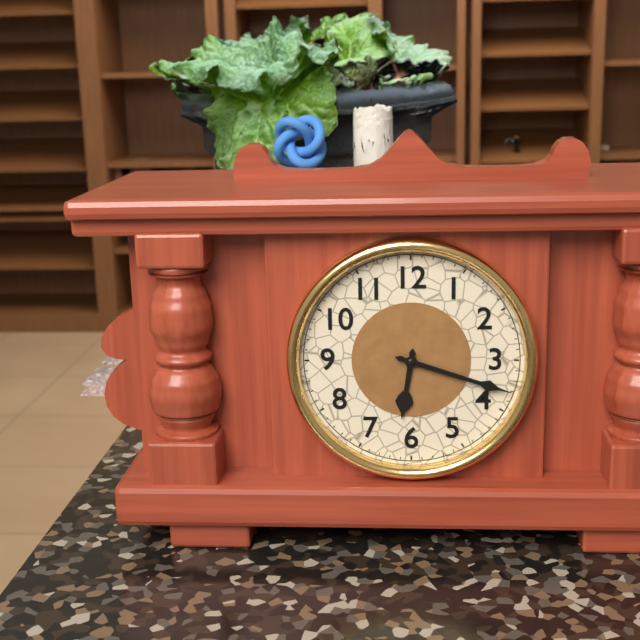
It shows {"hour": 6, "minute": 18}
